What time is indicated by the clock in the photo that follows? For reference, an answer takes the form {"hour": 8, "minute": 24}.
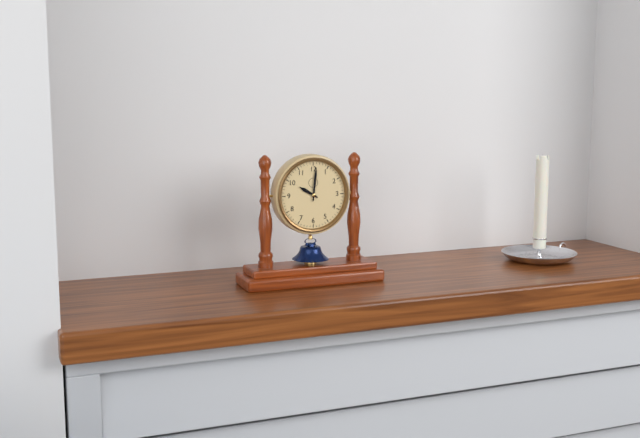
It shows {"hour": 10, "minute": 1}
